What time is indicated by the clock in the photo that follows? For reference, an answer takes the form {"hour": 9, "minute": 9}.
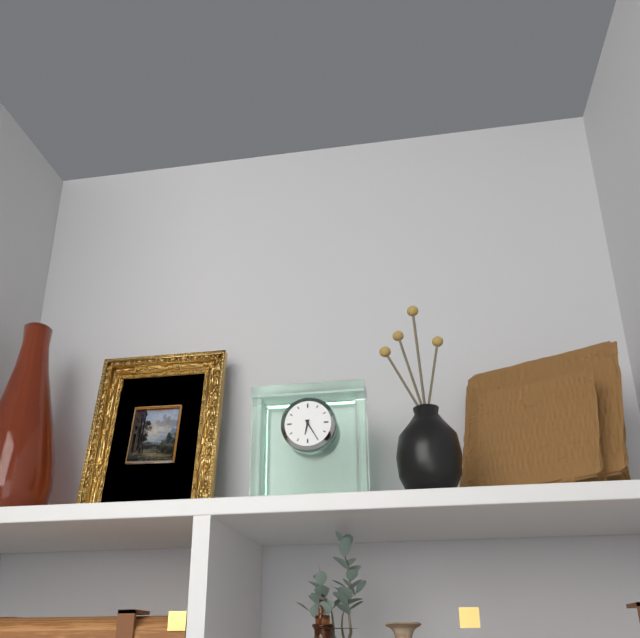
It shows {"hour": 6, "minute": 25}
